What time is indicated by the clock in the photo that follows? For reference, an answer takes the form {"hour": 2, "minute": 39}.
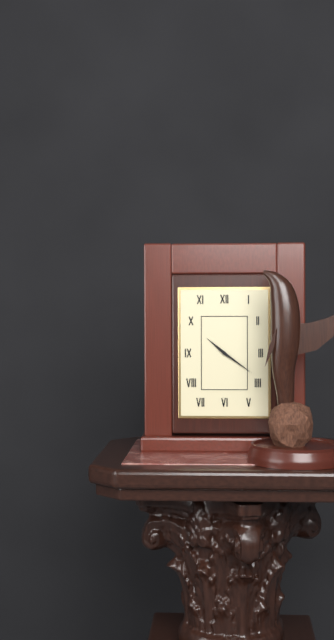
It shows {"hour": 10, "minute": 21}
